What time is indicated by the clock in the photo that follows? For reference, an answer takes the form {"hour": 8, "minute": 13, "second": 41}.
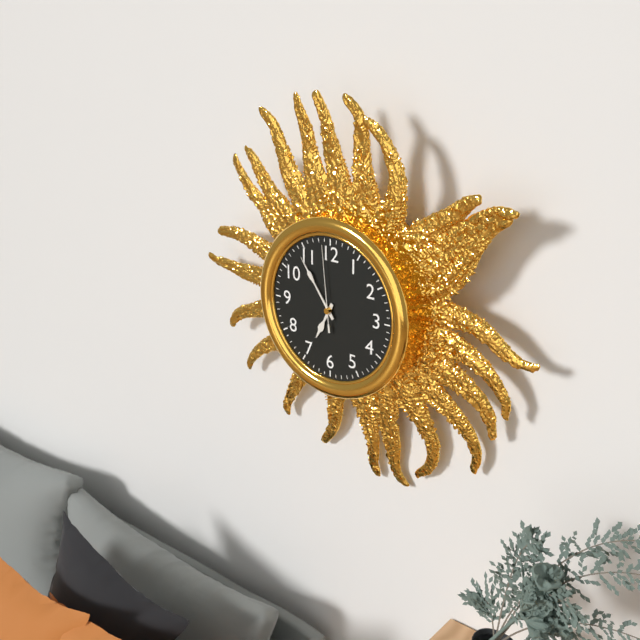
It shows {"hour": 6, "minute": 54, "second": 59}
